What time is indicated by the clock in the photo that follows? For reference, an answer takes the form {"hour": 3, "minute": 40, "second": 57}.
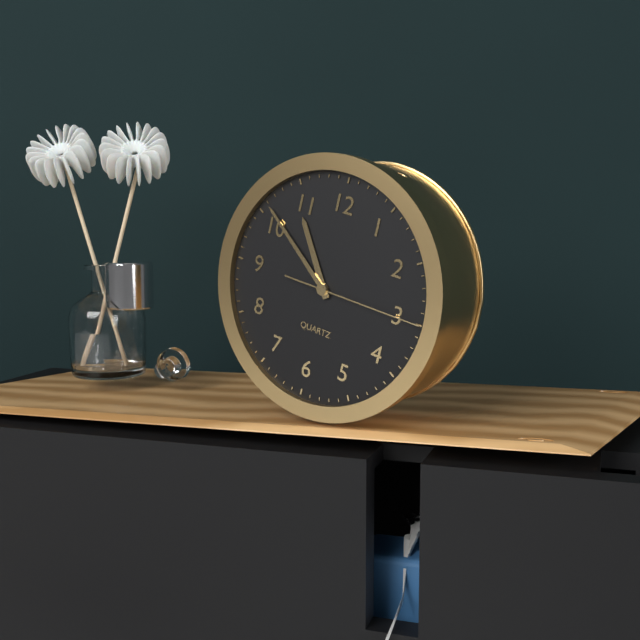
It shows {"hour": 10, "minute": 51, "second": 15}
